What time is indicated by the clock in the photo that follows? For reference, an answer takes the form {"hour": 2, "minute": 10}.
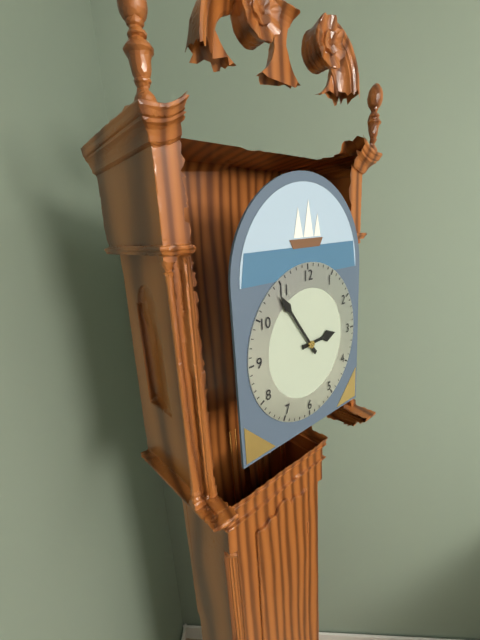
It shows {"hour": 2, "minute": 54}
